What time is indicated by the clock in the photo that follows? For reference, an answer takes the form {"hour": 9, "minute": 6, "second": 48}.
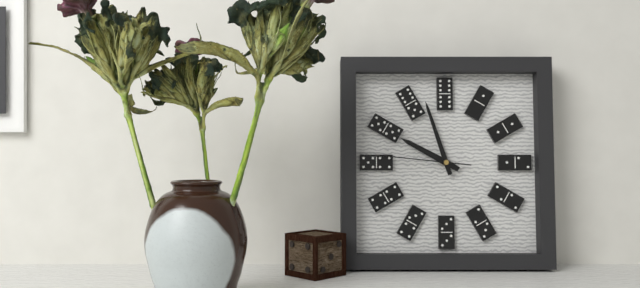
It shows {"hour": 9, "minute": 57, "second": 46}
